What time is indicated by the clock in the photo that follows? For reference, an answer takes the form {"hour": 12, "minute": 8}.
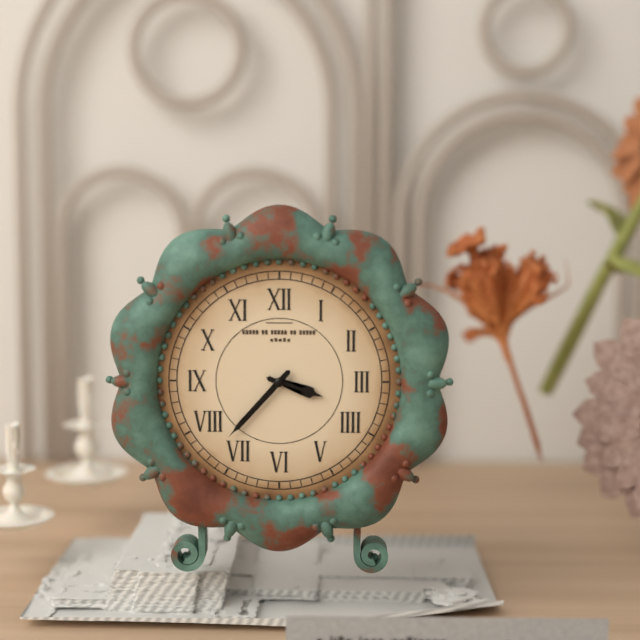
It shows {"hour": 3, "minute": 37}
